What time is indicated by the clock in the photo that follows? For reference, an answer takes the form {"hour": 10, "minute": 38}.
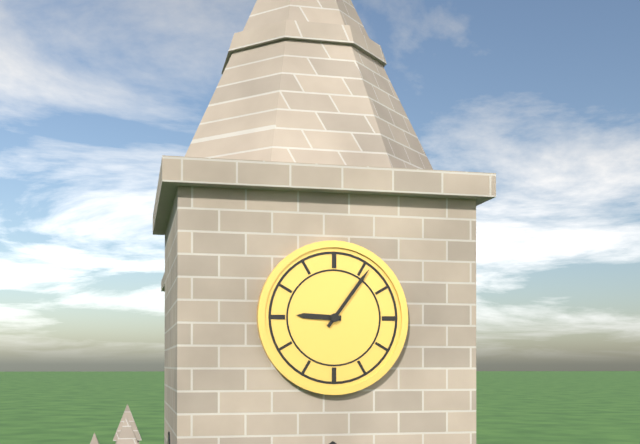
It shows {"hour": 9, "minute": 6}
